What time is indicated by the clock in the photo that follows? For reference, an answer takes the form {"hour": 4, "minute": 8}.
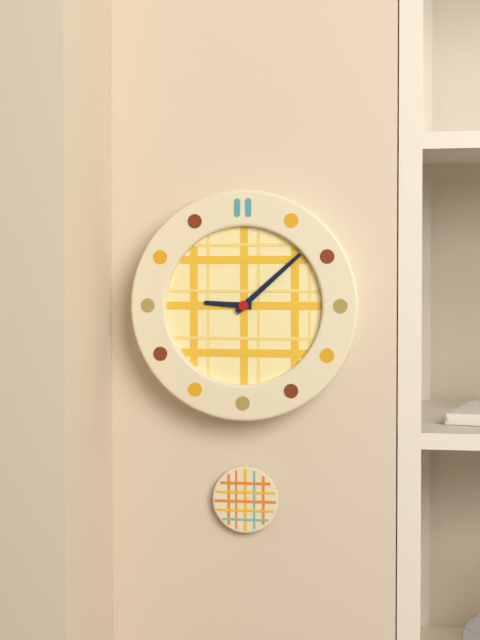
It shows {"hour": 9, "minute": 8}
